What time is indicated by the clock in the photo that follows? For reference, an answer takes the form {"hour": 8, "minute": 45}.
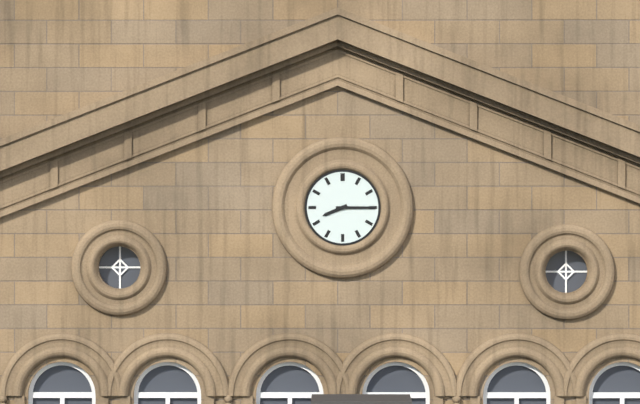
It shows {"hour": 8, "minute": 15}
